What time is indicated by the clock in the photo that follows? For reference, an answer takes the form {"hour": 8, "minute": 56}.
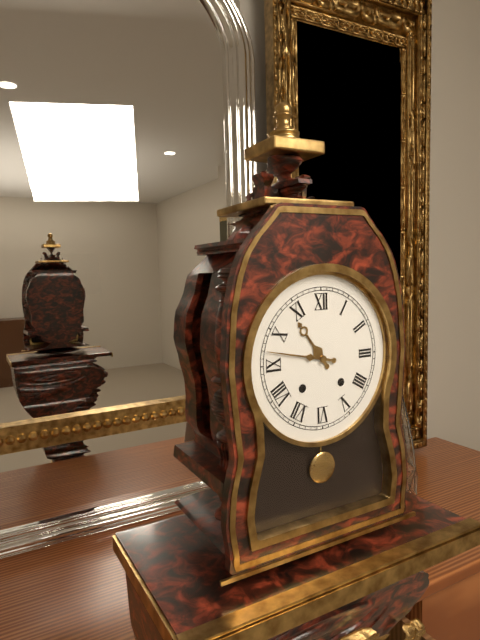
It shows {"hour": 10, "minute": 47}
